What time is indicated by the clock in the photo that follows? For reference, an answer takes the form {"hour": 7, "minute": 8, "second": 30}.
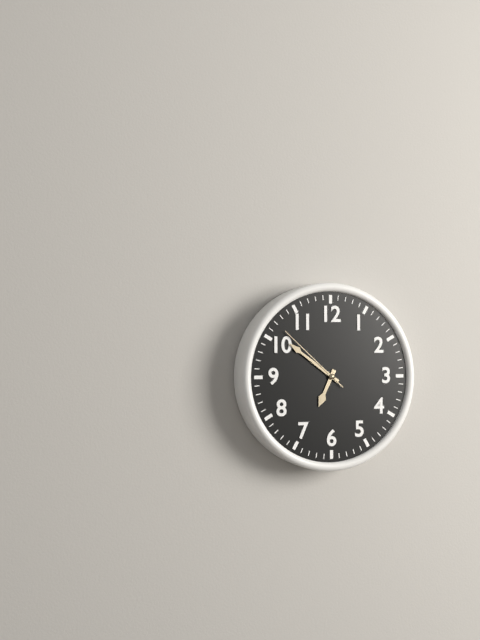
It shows {"hour": 6, "minute": 51, "second": 52}
